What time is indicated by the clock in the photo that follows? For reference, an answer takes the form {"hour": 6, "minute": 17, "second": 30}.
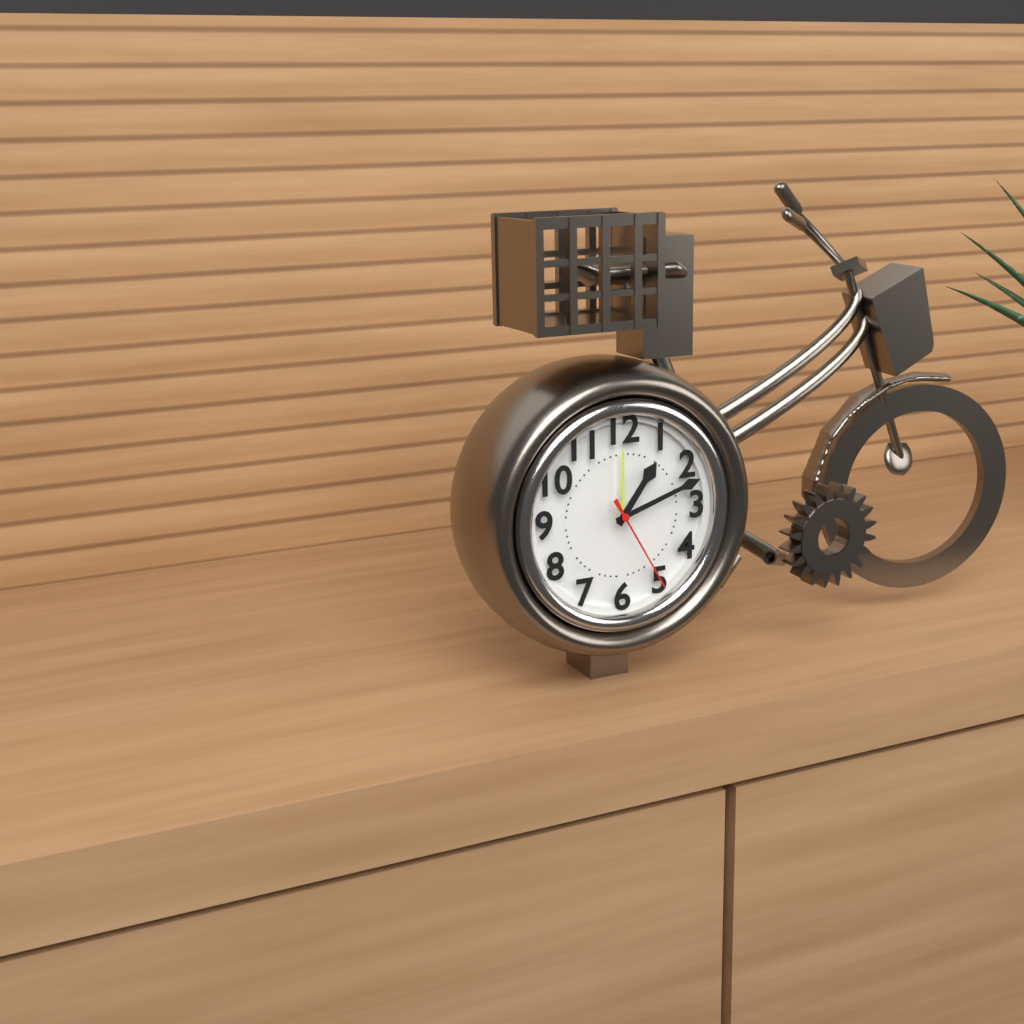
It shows {"hour": 1, "minute": 12, "second": 25}
